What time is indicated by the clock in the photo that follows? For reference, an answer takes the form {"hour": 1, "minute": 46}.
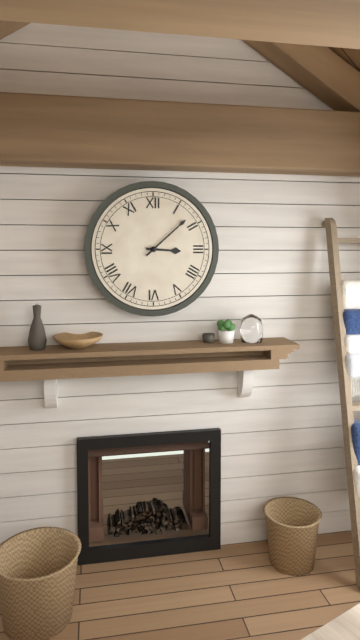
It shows {"hour": 3, "minute": 8}
